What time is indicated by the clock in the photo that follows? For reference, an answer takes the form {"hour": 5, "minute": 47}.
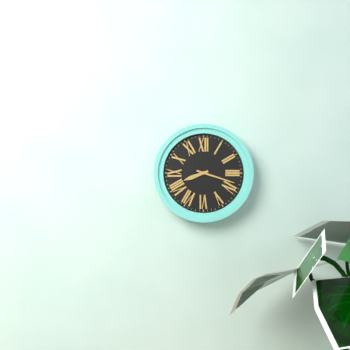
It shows {"hour": 8, "minute": 18}
